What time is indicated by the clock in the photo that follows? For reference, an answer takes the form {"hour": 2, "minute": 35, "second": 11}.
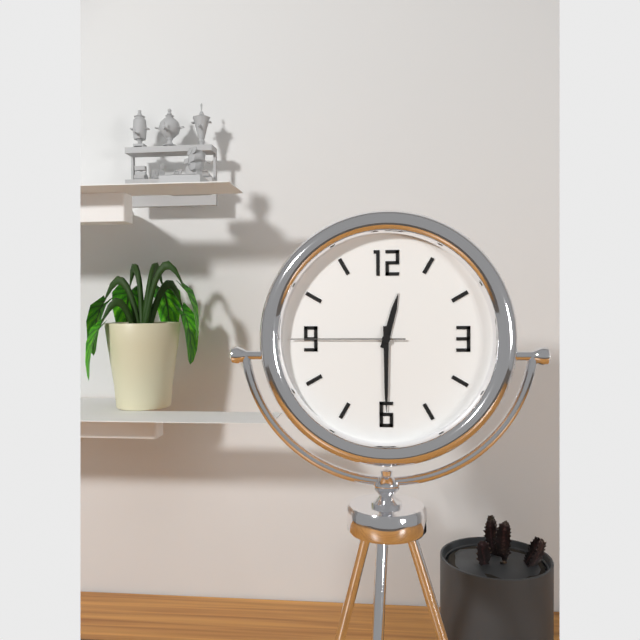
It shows {"hour": 12, "minute": 30, "second": 45}
